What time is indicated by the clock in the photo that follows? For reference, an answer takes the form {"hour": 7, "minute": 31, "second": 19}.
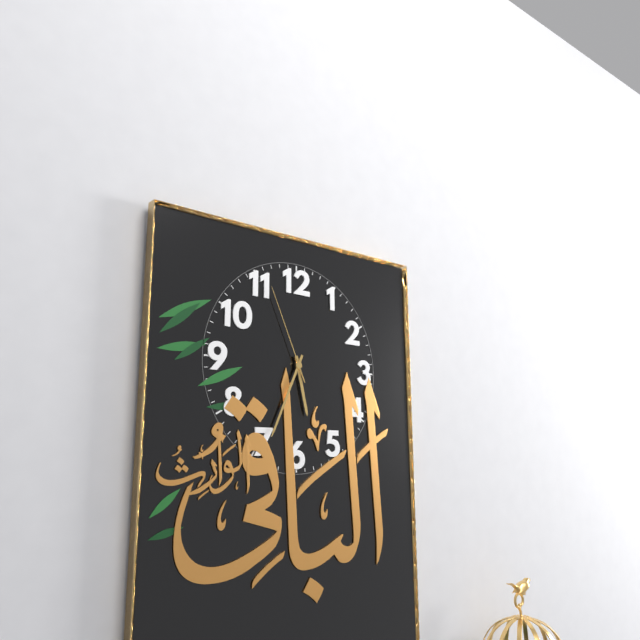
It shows {"hour": 5, "minute": 34, "second": 56}
